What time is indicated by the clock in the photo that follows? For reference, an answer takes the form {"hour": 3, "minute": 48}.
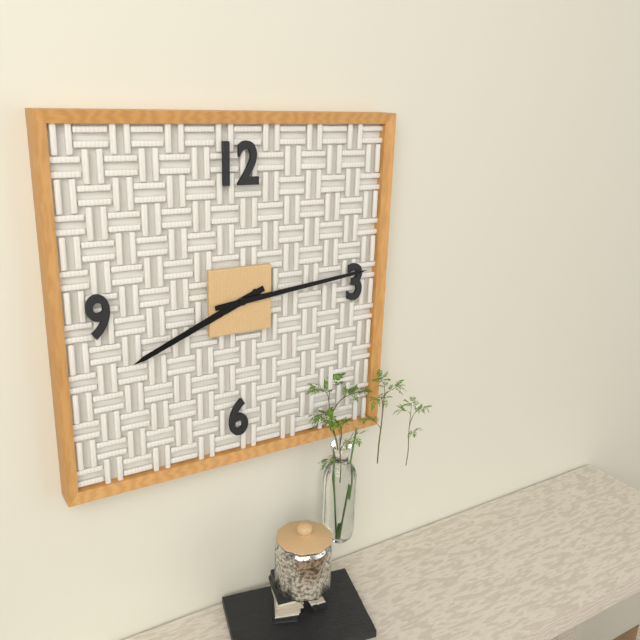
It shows {"hour": 8, "minute": 14}
